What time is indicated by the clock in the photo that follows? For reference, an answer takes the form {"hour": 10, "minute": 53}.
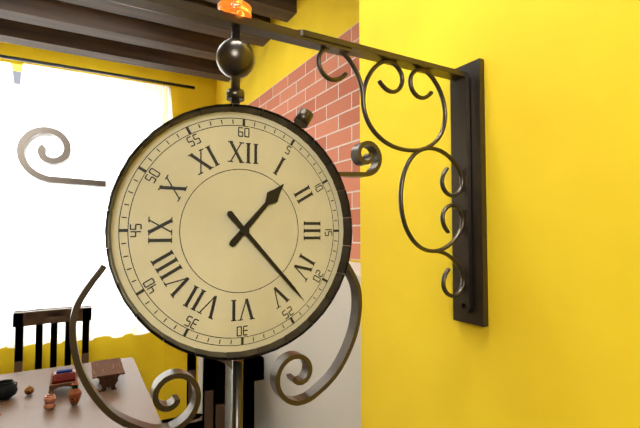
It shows {"hour": 1, "minute": 23}
